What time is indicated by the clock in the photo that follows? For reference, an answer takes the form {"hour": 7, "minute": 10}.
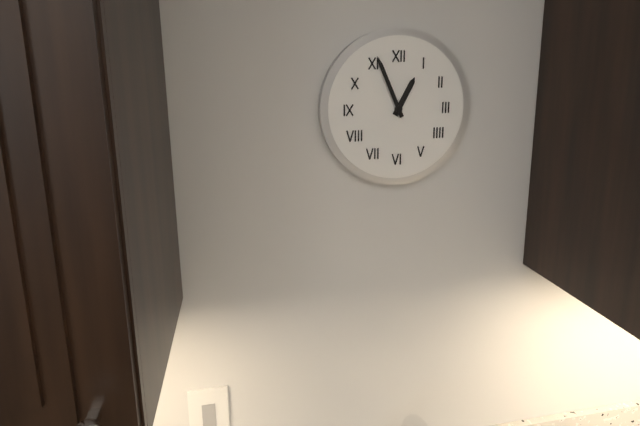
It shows {"hour": 12, "minute": 56}
